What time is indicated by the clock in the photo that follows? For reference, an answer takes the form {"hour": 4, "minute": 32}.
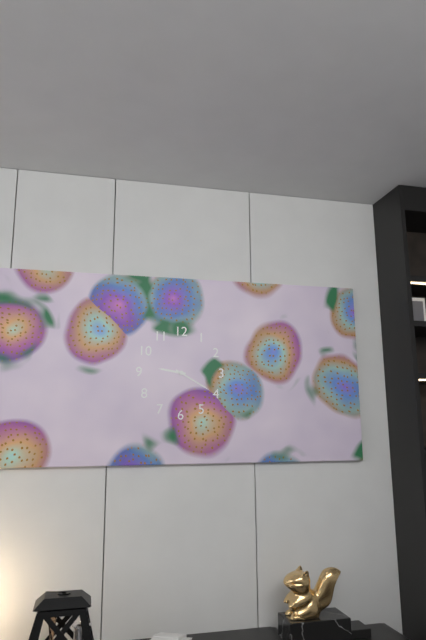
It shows {"hour": 9, "minute": 20}
